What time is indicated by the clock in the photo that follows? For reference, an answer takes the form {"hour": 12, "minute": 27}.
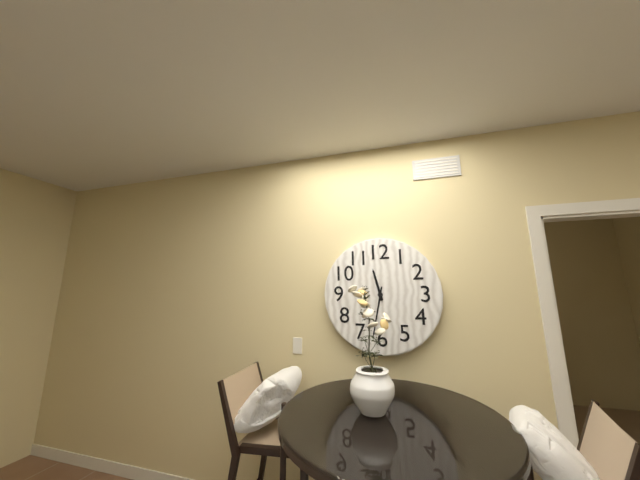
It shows {"hour": 11, "minute": 32}
